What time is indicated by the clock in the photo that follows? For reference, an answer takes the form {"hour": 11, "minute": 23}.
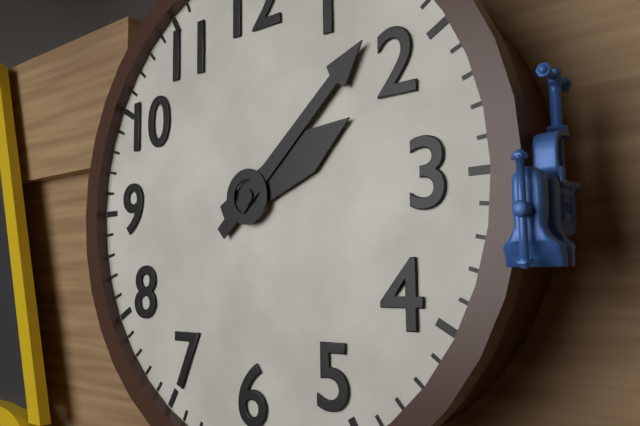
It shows {"hour": 2, "minute": 8}
